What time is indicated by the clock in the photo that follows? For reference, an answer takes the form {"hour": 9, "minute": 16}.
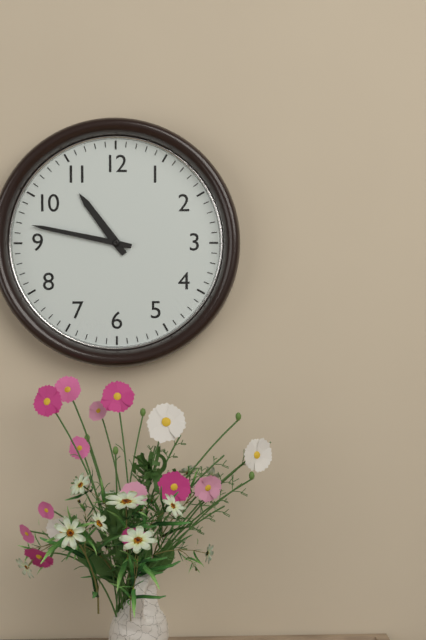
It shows {"hour": 10, "minute": 47}
